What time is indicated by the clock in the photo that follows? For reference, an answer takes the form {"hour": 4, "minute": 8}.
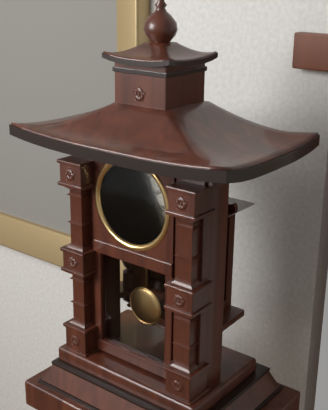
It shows {"hour": 1, "minute": 29}
